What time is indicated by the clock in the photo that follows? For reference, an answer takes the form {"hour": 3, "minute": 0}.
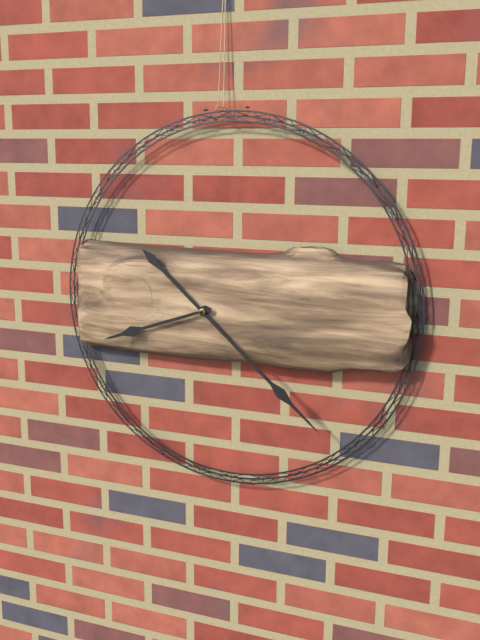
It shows {"hour": 8, "minute": 22}
